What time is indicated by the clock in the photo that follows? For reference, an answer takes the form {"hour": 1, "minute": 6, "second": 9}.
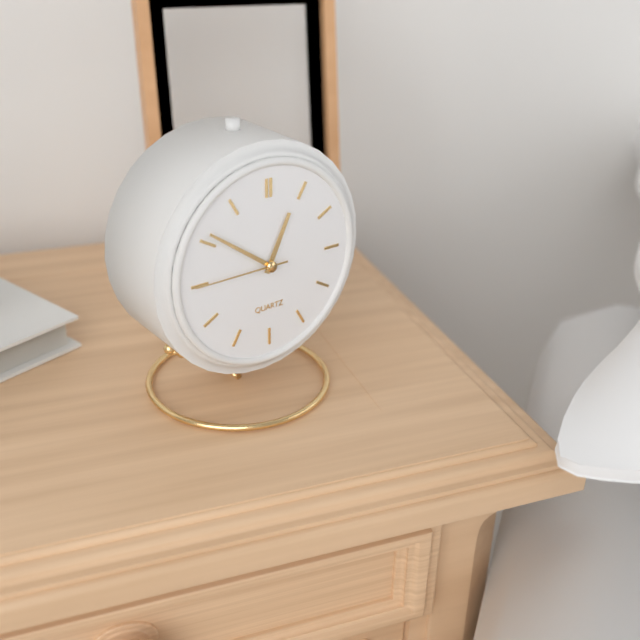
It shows {"hour": 12, "minute": 51, "second": 45}
